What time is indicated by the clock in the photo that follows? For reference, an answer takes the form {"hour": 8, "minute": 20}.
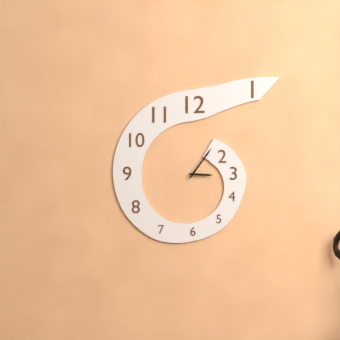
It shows {"hour": 3, "minute": 6}
